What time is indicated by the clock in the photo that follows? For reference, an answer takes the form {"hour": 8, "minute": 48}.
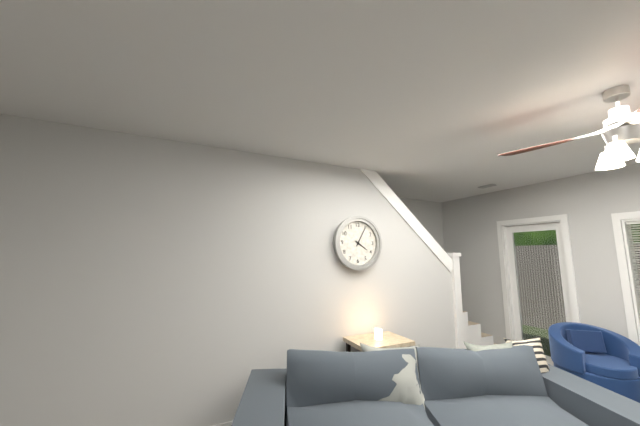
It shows {"hour": 4, "minute": 5}
